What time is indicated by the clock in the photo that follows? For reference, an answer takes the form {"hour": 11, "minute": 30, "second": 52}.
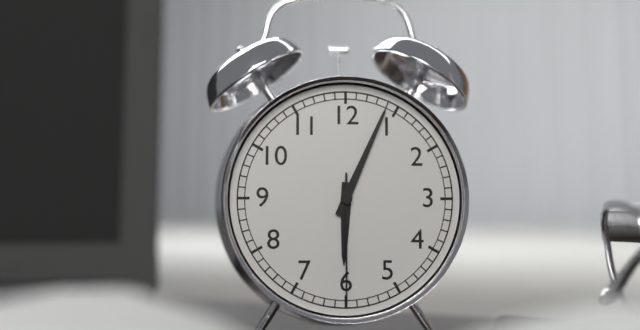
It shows {"hour": 6, "minute": 4, "second": 30}
